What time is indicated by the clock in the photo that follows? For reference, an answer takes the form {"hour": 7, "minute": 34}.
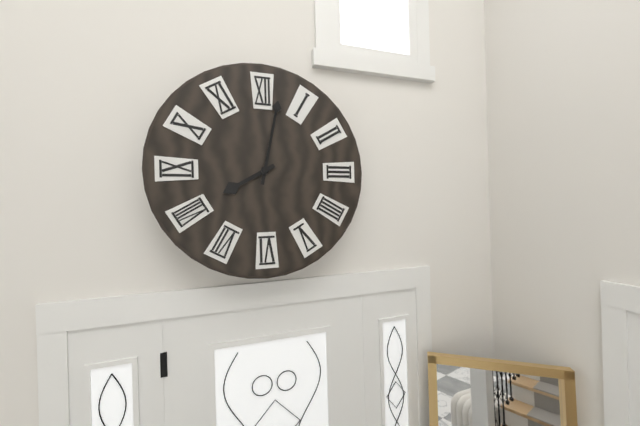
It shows {"hour": 8, "minute": 2}
